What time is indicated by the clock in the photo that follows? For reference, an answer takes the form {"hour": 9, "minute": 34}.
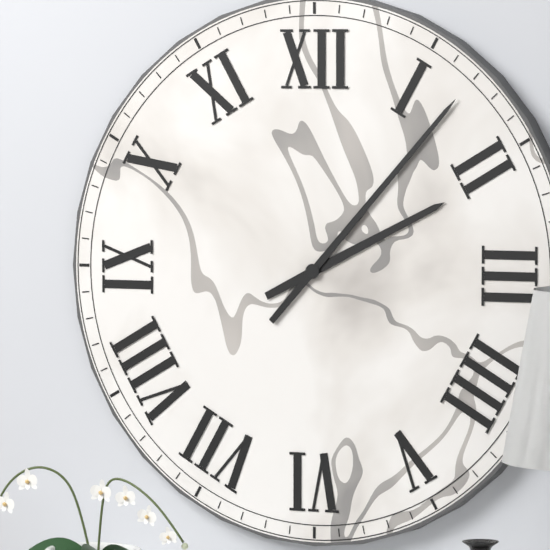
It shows {"hour": 2, "minute": 7}
